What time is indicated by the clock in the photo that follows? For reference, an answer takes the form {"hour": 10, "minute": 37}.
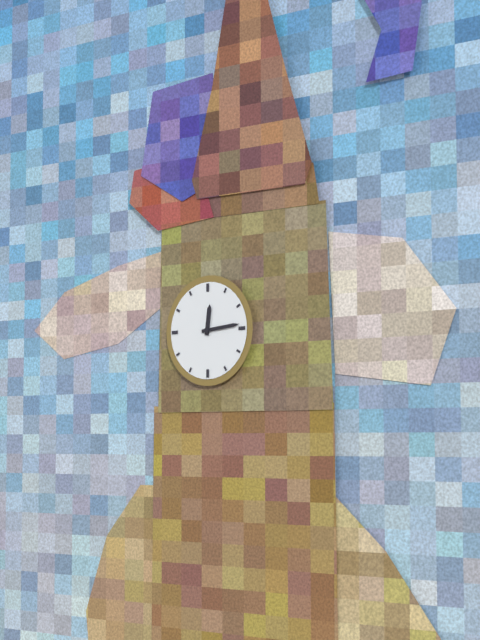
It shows {"hour": 12, "minute": 14}
